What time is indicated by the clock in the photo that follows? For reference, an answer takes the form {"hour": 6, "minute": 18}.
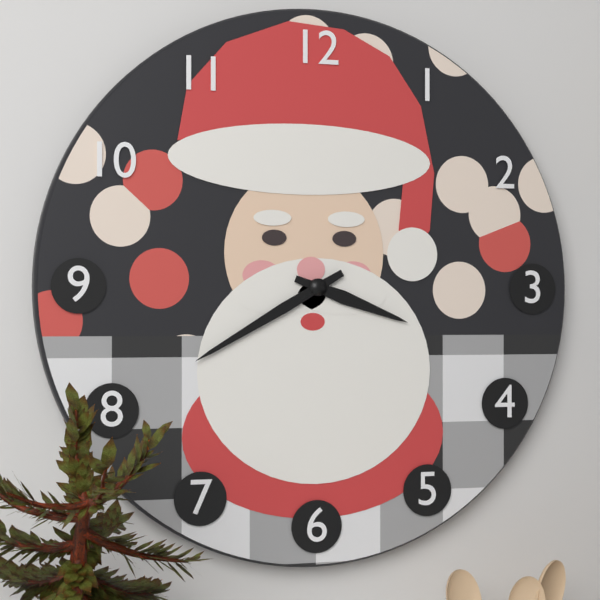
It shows {"hour": 3, "minute": 40}
